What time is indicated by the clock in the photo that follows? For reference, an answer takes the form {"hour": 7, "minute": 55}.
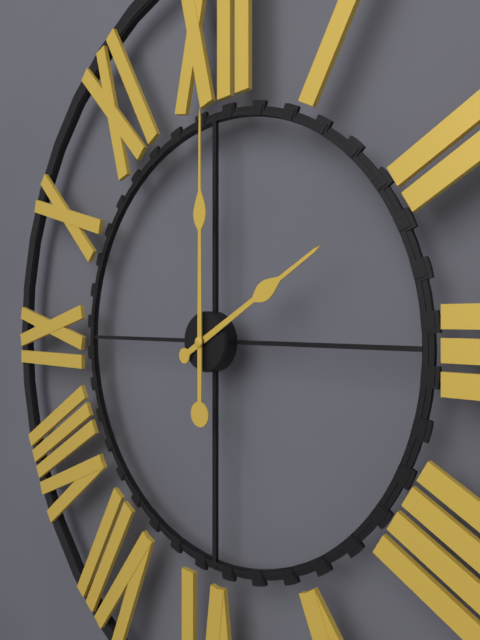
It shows {"hour": 2, "minute": 0}
